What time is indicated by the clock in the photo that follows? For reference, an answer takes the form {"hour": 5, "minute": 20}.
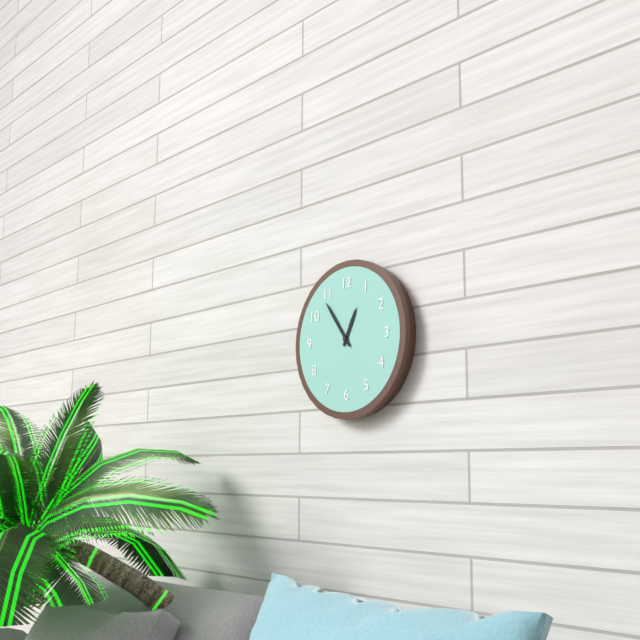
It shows {"hour": 12, "minute": 54}
